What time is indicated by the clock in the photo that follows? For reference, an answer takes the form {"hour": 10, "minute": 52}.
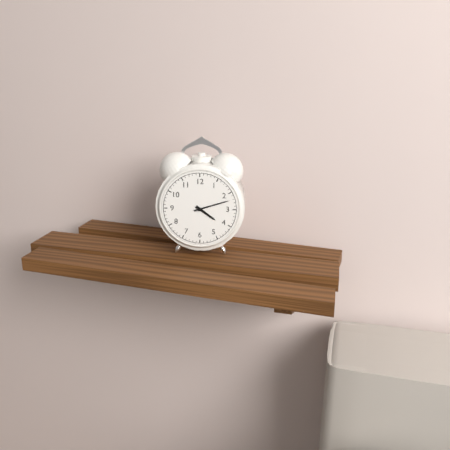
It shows {"hour": 4, "minute": 12}
